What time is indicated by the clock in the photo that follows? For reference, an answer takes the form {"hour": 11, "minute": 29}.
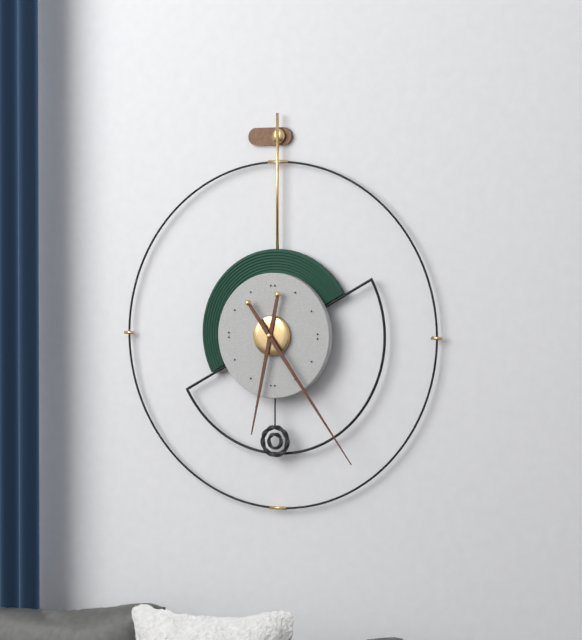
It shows {"hour": 6, "minute": 24}
